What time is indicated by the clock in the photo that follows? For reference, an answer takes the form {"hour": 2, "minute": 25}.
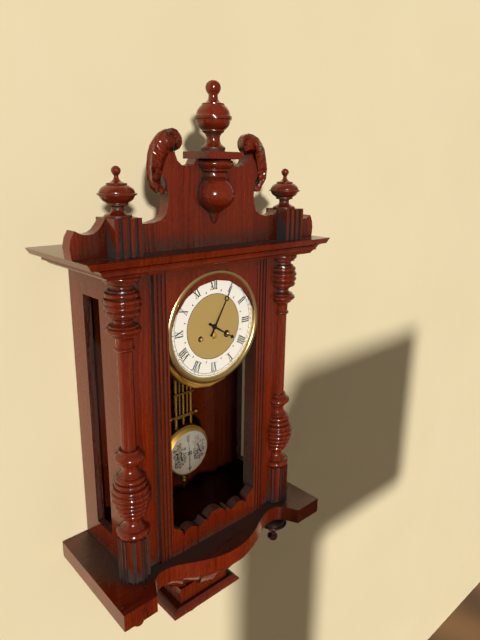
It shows {"hour": 4, "minute": 5}
